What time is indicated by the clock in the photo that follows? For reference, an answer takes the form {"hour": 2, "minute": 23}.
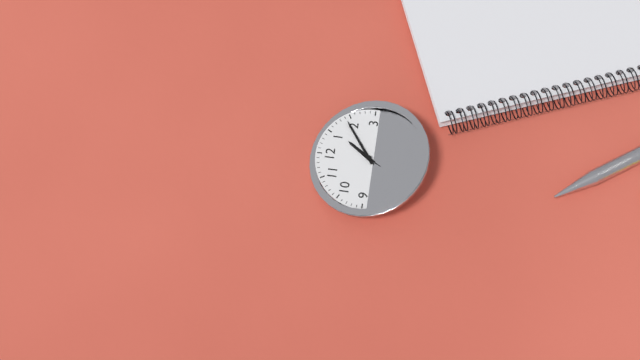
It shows {"hour": 1, "minute": 9}
